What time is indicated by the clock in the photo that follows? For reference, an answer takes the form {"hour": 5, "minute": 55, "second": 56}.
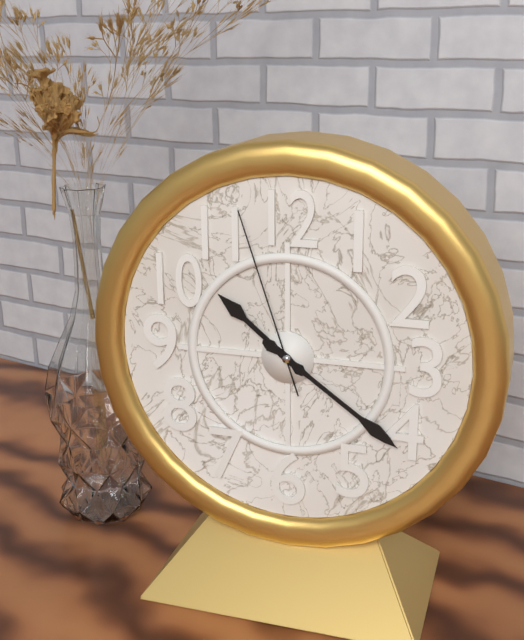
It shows {"hour": 10, "minute": 21, "second": 57}
